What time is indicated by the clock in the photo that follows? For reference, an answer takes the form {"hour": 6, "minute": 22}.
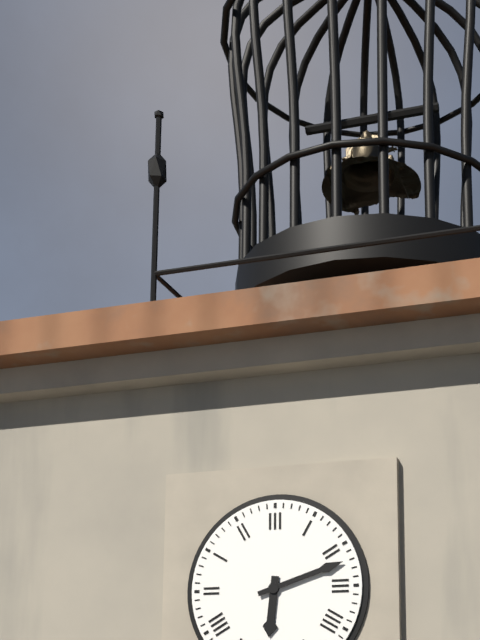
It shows {"hour": 6, "minute": 12}
